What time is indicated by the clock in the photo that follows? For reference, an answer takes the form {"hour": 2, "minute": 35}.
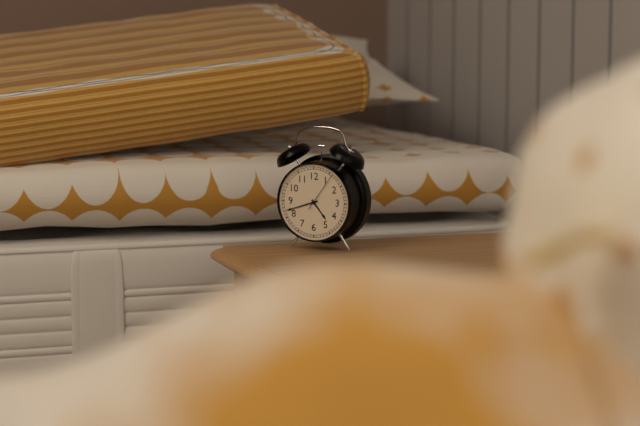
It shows {"hour": 4, "minute": 42}
